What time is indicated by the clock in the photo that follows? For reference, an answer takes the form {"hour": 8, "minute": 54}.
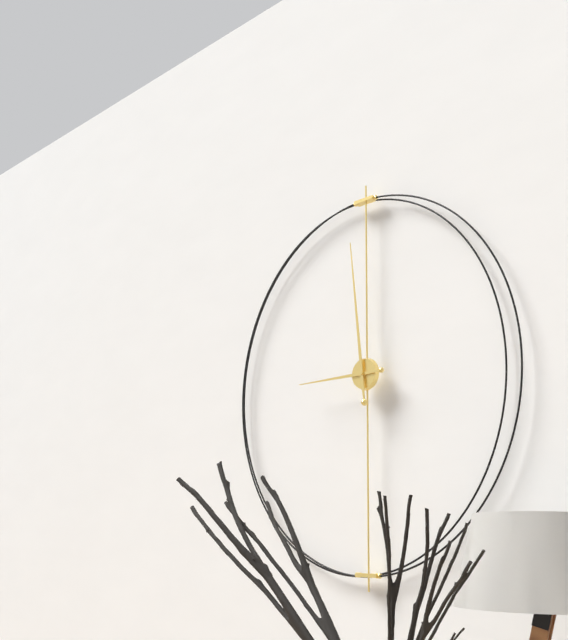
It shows {"hour": 8, "minute": 59}
